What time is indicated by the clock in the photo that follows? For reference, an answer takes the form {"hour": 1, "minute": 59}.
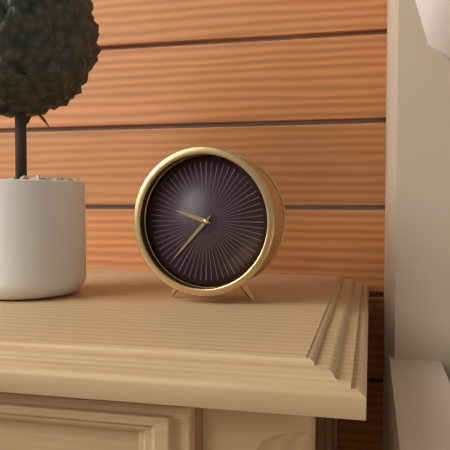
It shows {"hour": 9, "minute": 37}
